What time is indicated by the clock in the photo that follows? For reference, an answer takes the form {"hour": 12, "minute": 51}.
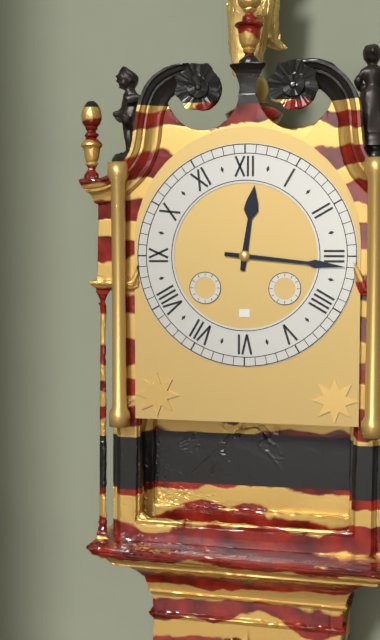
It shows {"hour": 12, "minute": 16}
